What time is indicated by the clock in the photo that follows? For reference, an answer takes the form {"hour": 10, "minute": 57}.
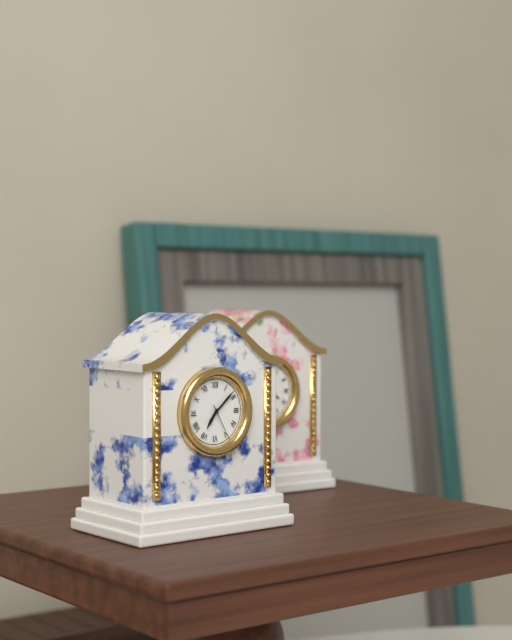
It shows {"hour": 7, "minute": 8}
